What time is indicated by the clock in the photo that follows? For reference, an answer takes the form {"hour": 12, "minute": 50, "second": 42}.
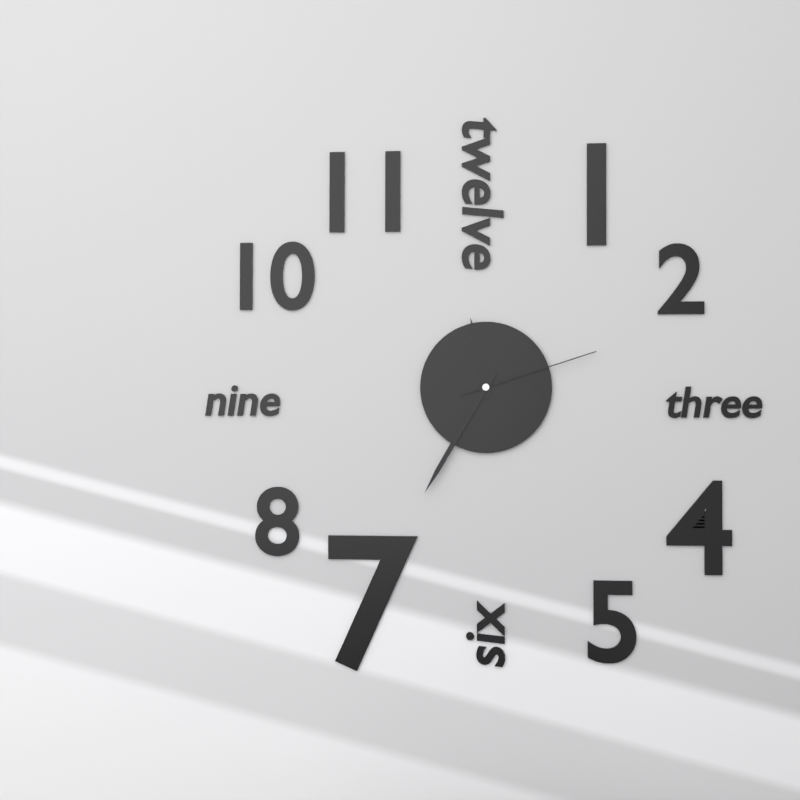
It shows {"hour": 11, "minute": 35, "second": 12}
